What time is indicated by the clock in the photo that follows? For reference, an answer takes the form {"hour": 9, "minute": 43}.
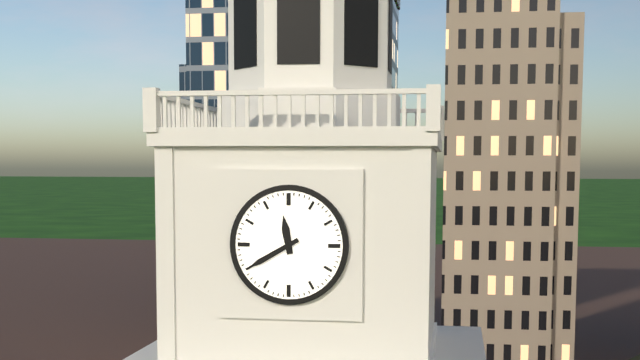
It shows {"hour": 11, "minute": 40}
